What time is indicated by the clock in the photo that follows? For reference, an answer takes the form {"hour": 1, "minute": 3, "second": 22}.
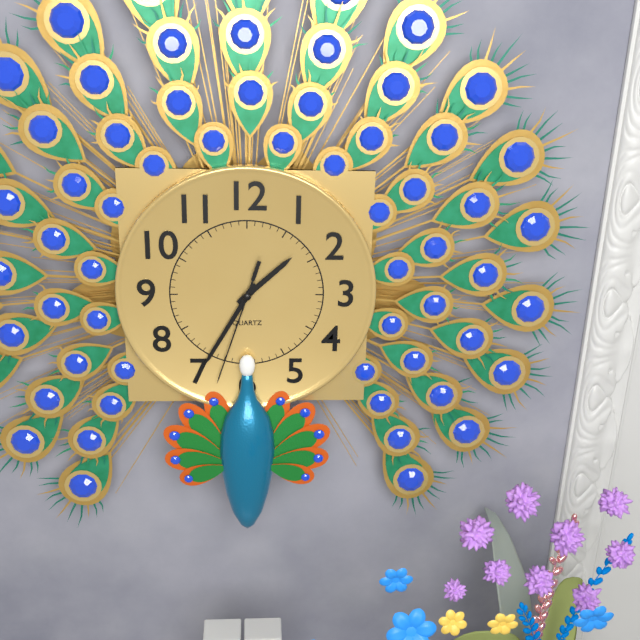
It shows {"hour": 1, "minute": 35, "second": 33}
